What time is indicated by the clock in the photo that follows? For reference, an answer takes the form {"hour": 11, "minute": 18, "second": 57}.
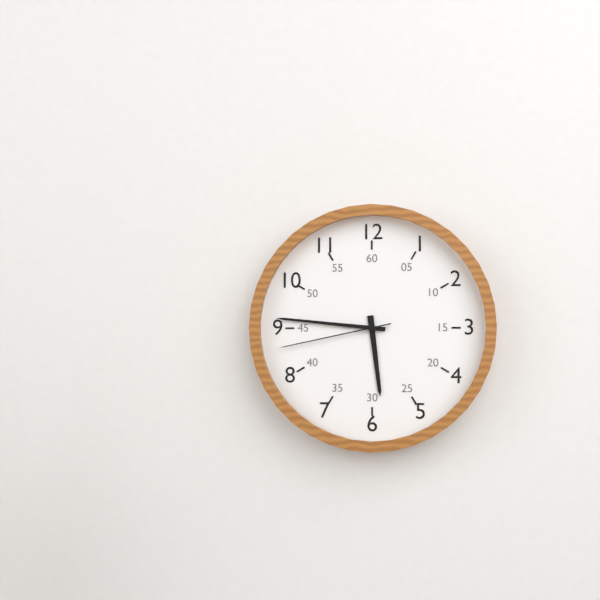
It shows {"hour": 5, "minute": 46, "second": 43}
